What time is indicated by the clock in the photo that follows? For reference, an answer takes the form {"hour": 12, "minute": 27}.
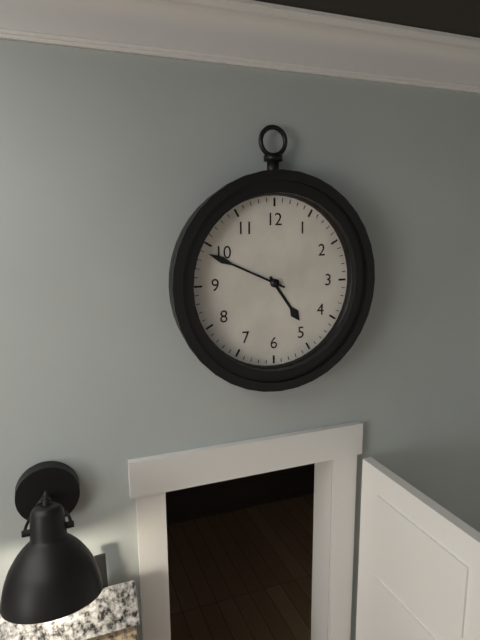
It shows {"hour": 4, "minute": 49}
